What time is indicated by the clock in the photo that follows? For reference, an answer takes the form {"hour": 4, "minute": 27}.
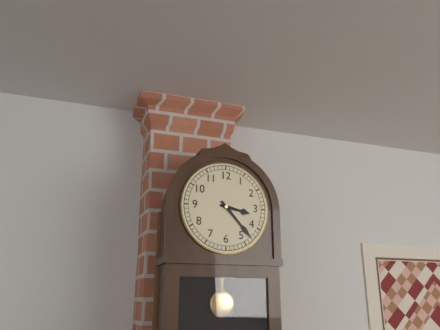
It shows {"hour": 3, "minute": 23}
